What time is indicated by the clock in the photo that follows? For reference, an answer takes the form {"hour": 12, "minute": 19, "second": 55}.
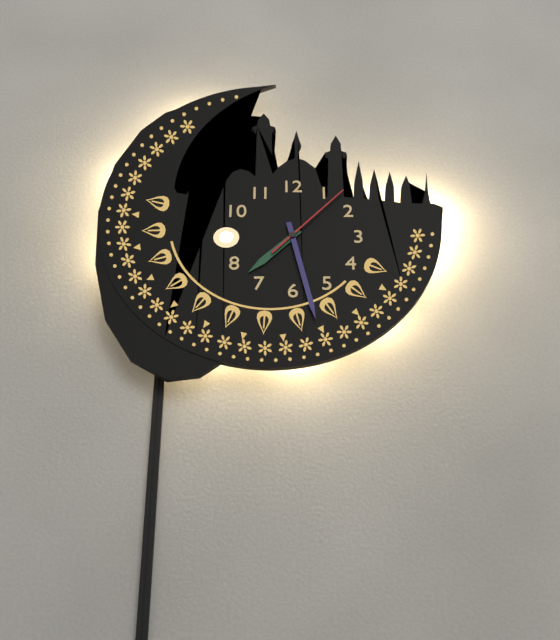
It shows {"hour": 7, "minute": 28, "second": 7}
